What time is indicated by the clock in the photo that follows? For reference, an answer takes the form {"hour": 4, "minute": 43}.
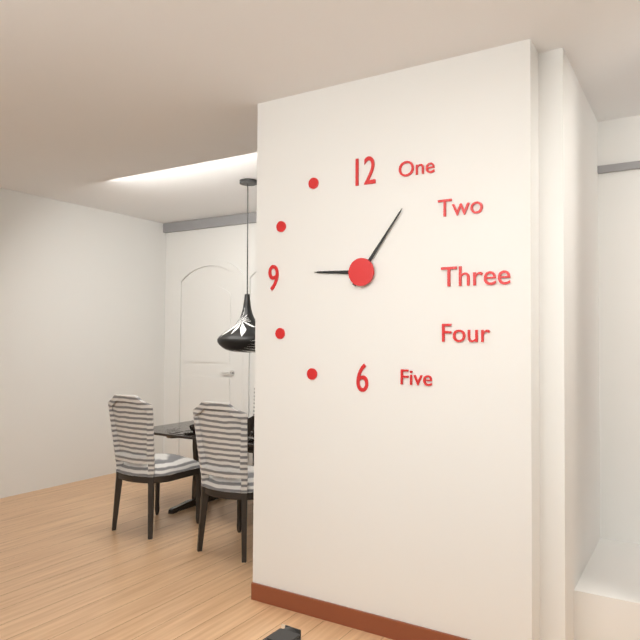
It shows {"hour": 9, "minute": 6}
